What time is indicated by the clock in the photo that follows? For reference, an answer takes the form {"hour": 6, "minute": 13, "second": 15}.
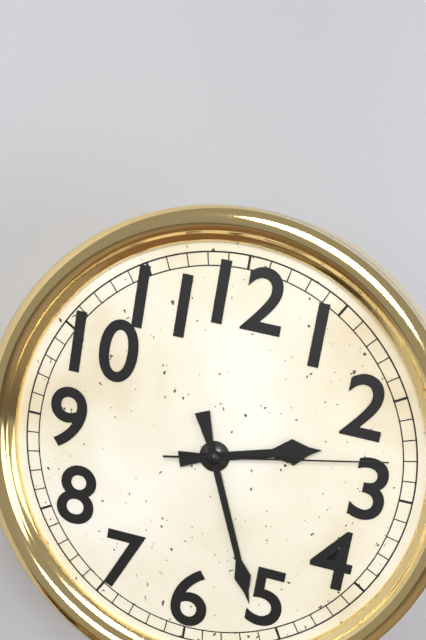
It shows {"hour": 2, "minute": 26, "second": 13}
